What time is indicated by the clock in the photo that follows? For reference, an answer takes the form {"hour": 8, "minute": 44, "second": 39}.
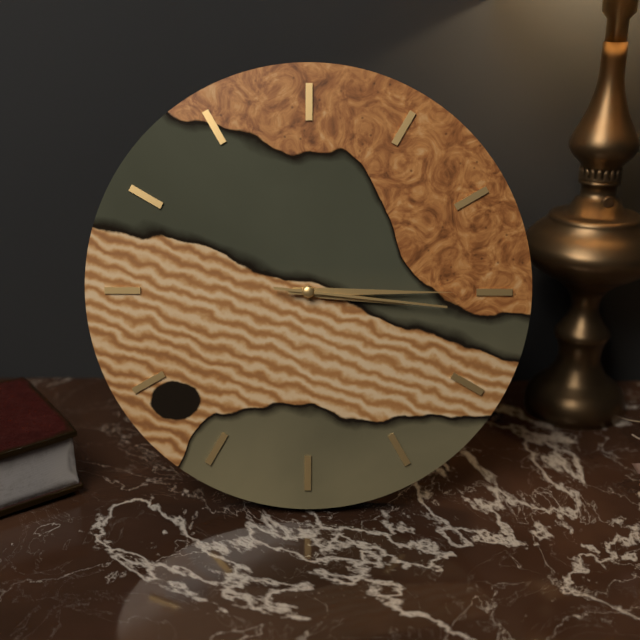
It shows {"hour": 3, "minute": 15, "second": 16}
